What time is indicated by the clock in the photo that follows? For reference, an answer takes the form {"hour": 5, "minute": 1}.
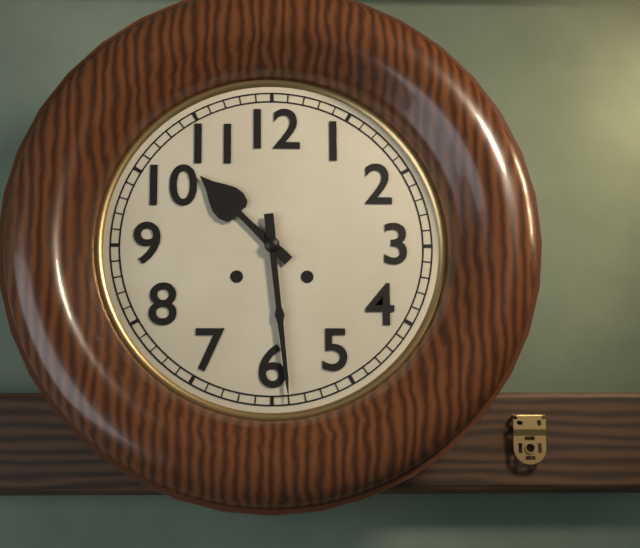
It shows {"hour": 10, "minute": 29}
